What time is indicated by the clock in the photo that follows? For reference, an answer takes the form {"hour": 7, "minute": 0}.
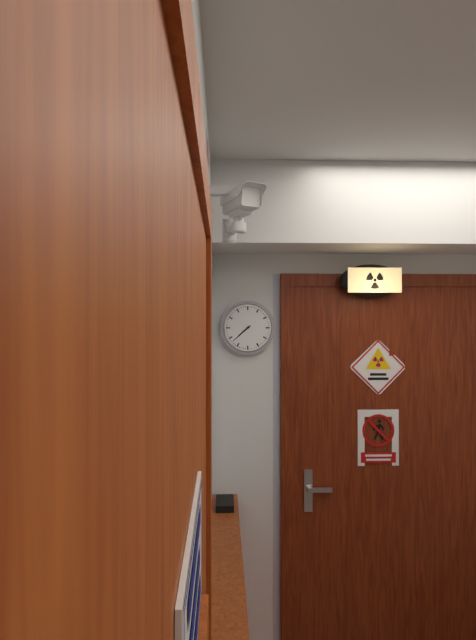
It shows {"hour": 7, "minute": 38}
